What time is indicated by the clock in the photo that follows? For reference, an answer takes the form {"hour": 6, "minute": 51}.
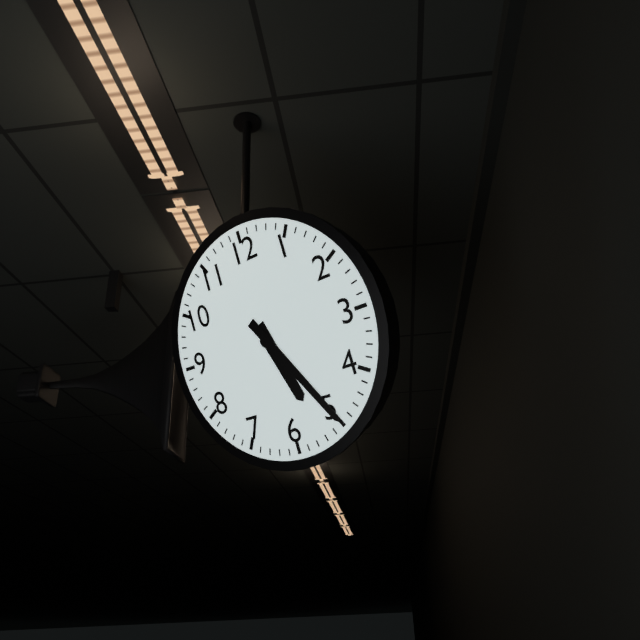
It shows {"hour": 5, "minute": 25}
